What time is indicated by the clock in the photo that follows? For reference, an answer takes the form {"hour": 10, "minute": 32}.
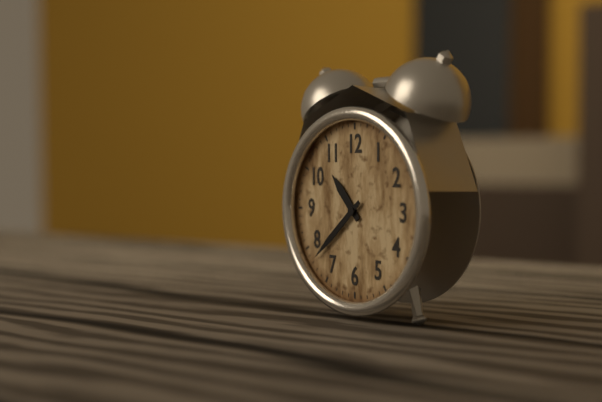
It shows {"hour": 10, "minute": 38}
